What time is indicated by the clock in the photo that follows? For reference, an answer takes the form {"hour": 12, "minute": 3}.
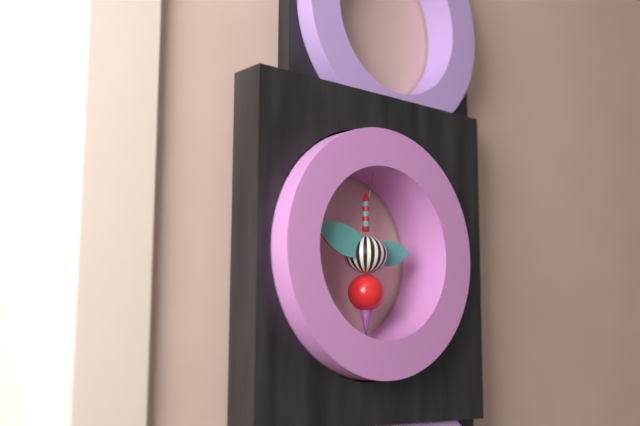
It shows {"hour": 2, "minute": 48}
